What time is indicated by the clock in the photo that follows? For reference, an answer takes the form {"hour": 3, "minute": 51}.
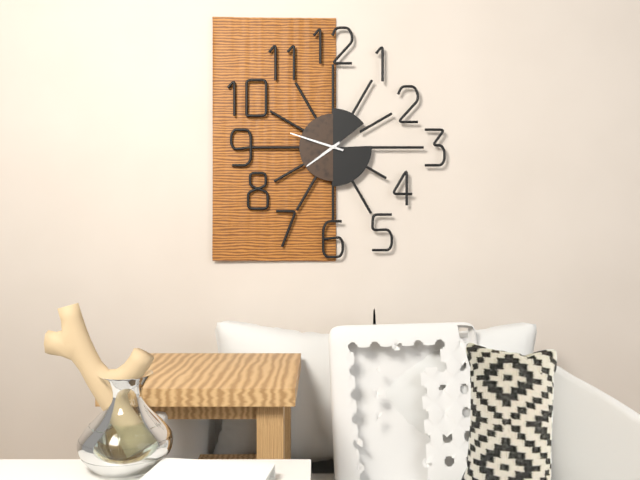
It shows {"hour": 7, "minute": 48}
